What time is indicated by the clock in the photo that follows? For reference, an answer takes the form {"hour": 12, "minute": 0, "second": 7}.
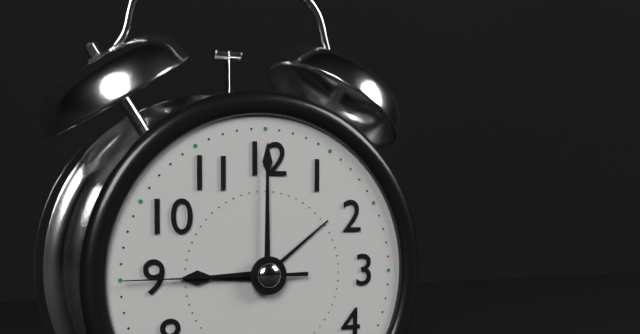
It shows {"hour": 9, "minute": 0, "second": 45}
